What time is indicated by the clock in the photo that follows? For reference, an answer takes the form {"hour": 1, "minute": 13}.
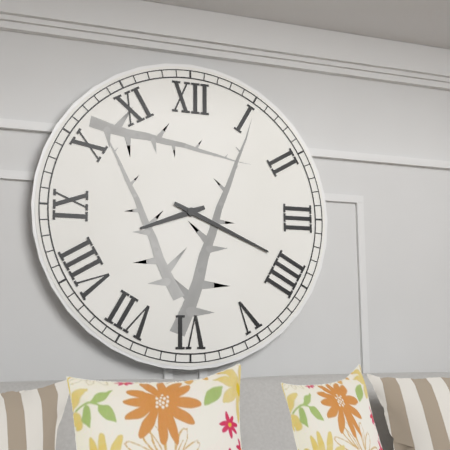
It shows {"hour": 8, "minute": 19}
